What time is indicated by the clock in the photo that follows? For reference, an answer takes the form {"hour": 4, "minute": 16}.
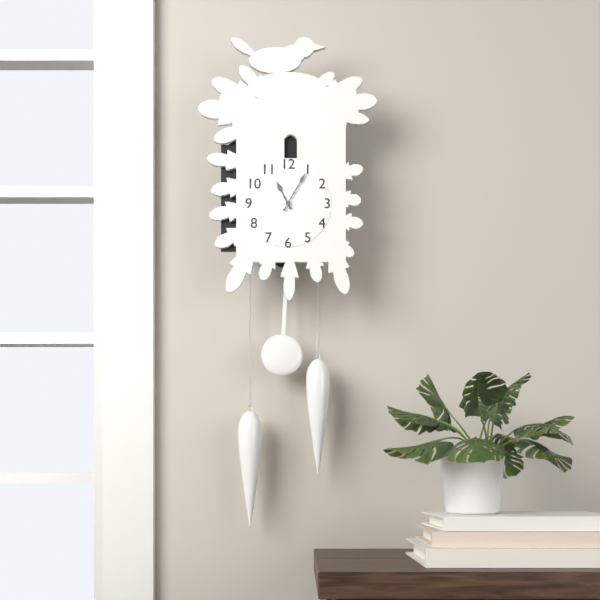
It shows {"hour": 11, "minute": 5}
